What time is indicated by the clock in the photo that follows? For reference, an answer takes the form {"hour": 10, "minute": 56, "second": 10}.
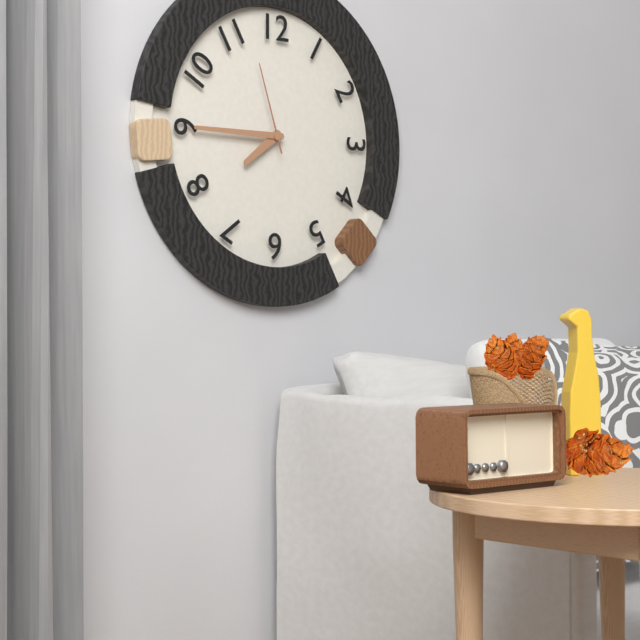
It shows {"hour": 7, "minute": 45, "second": 57}
